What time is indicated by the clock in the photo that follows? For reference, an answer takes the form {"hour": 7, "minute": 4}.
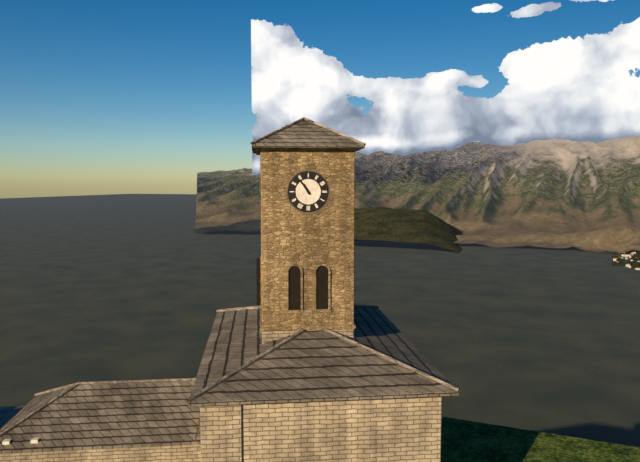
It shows {"hour": 10, "minute": 54}
